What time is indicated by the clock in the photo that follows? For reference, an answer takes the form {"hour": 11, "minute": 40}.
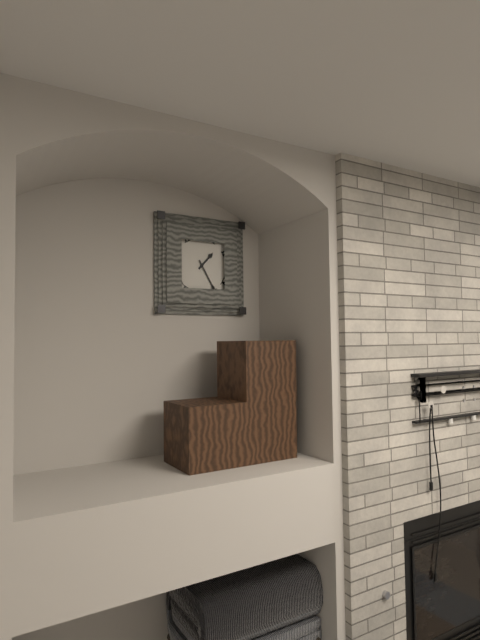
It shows {"hour": 1, "minute": 25}
